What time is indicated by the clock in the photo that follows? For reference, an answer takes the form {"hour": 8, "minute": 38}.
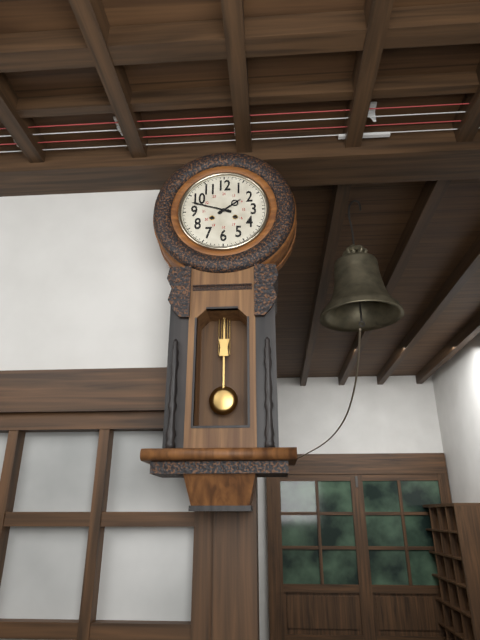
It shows {"hour": 1, "minute": 48}
